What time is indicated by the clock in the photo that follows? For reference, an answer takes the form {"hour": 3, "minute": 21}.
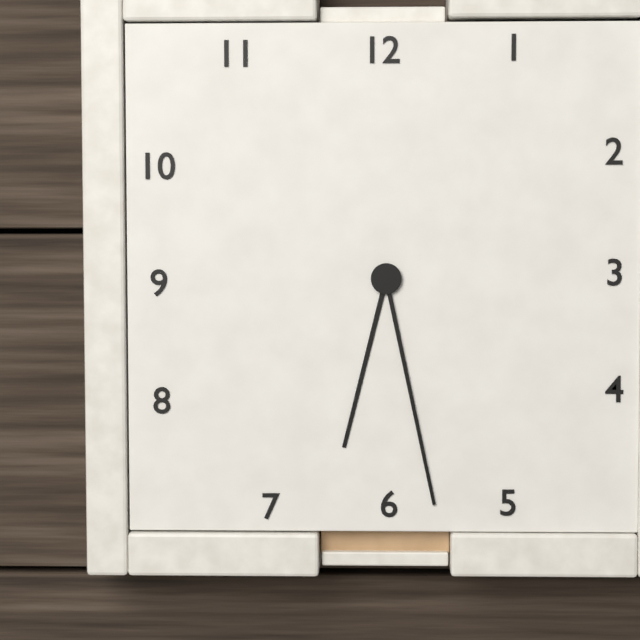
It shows {"hour": 6, "minute": 28}
